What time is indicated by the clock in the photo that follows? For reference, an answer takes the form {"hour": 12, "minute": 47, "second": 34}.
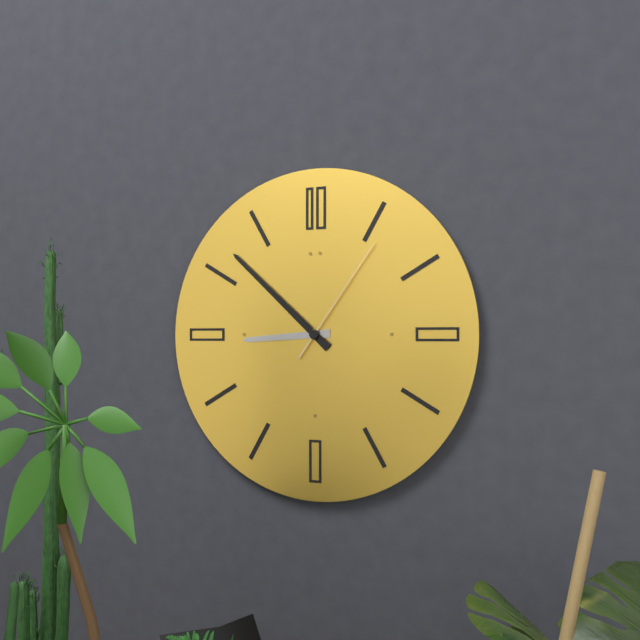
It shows {"hour": 8, "minute": 52, "second": 6}
